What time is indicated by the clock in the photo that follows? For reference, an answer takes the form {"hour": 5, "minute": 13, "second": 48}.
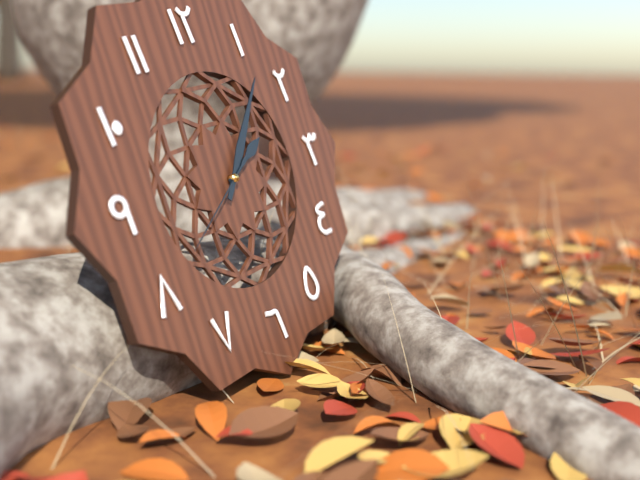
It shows {"hour": 2, "minute": 7, "second": 40}
